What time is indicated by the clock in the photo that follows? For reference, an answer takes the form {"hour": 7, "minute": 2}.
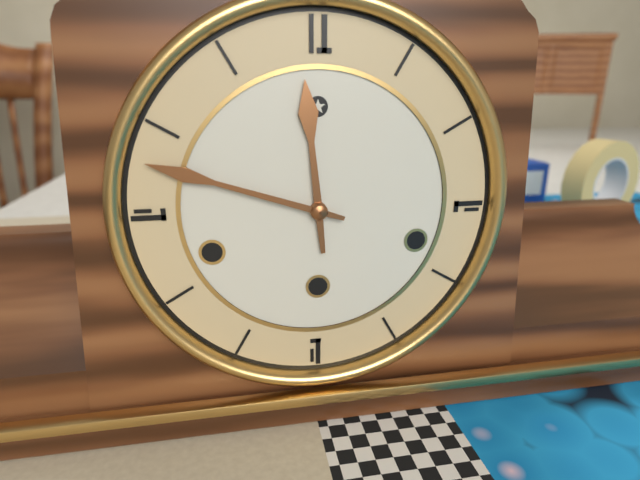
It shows {"hour": 11, "minute": 48}
